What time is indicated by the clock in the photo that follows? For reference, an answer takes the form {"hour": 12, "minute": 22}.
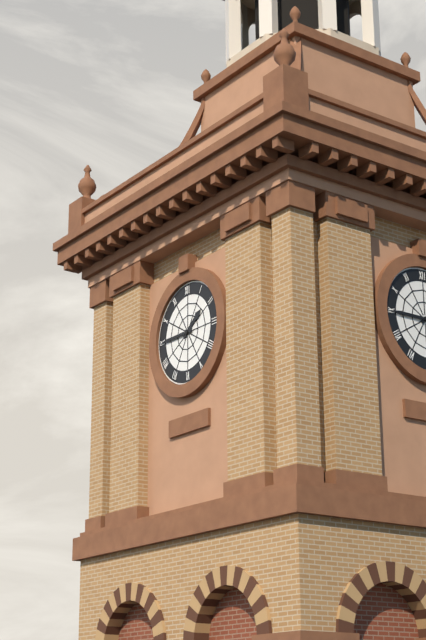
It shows {"hour": 1, "minute": 45}
